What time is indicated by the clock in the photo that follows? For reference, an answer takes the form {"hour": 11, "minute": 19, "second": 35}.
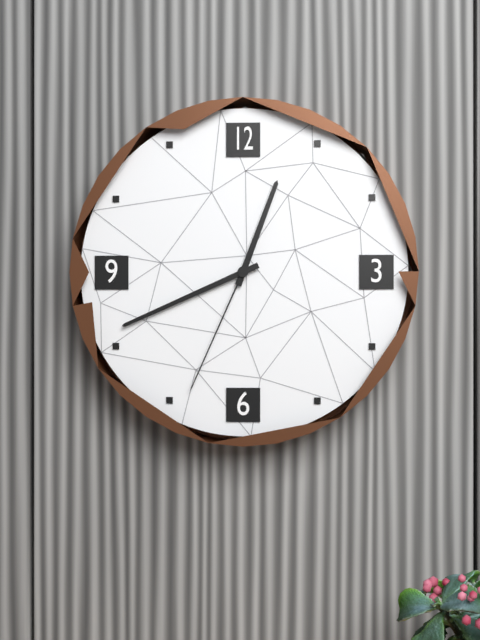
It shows {"hour": 12, "minute": 41, "second": 34}
